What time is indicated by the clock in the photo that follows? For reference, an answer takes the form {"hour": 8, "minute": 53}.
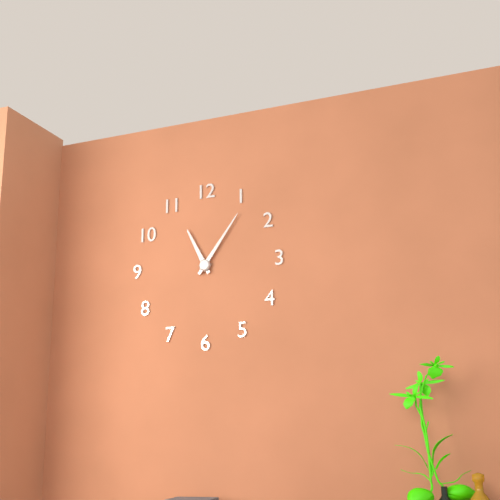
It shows {"hour": 11, "minute": 6}
